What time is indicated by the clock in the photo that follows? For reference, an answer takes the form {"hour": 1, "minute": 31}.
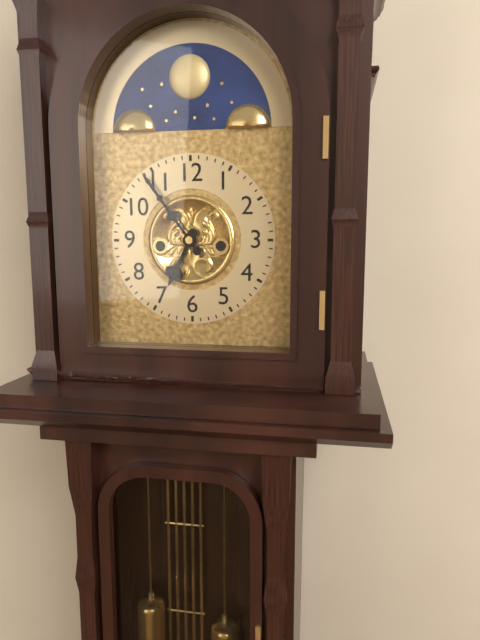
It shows {"hour": 6, "minute": 54}
